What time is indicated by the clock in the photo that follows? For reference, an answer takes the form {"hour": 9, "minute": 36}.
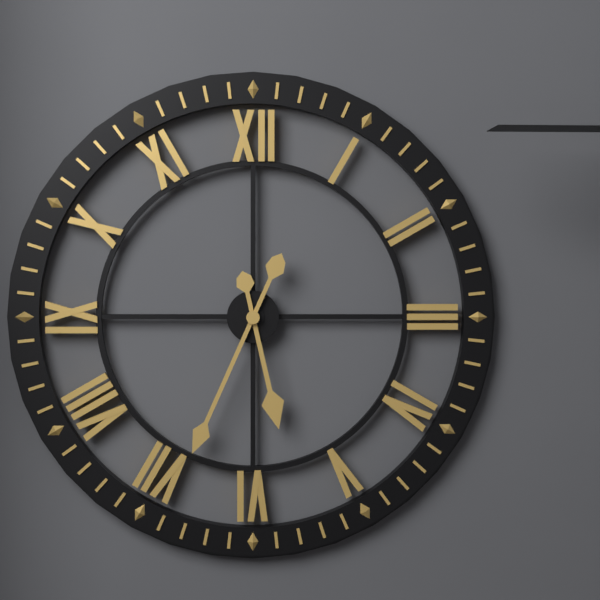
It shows {"hour": 5, "minute": 34}
